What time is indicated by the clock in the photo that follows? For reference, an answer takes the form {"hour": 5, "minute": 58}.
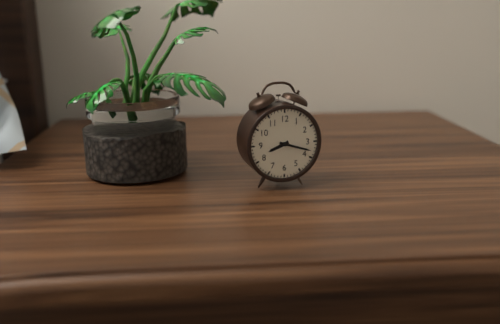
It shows {"hour": 8, "minute": 18}
